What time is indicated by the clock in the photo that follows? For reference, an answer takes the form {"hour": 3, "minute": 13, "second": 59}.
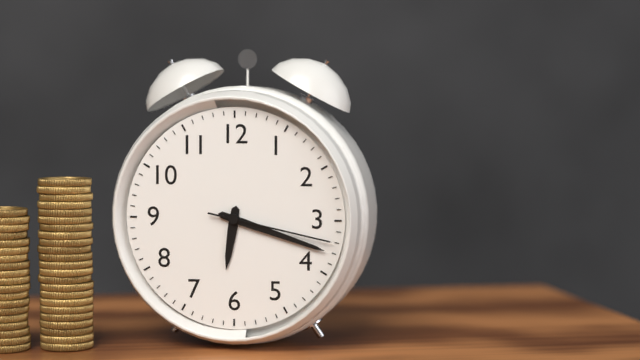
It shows {"hour": 6, "minute": 18, "second": 17}
